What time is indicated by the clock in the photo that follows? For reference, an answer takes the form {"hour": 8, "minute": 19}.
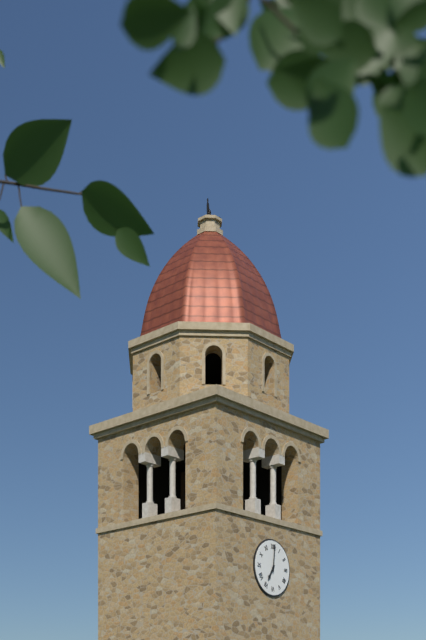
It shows {"hour": 7, "minute": 1}
